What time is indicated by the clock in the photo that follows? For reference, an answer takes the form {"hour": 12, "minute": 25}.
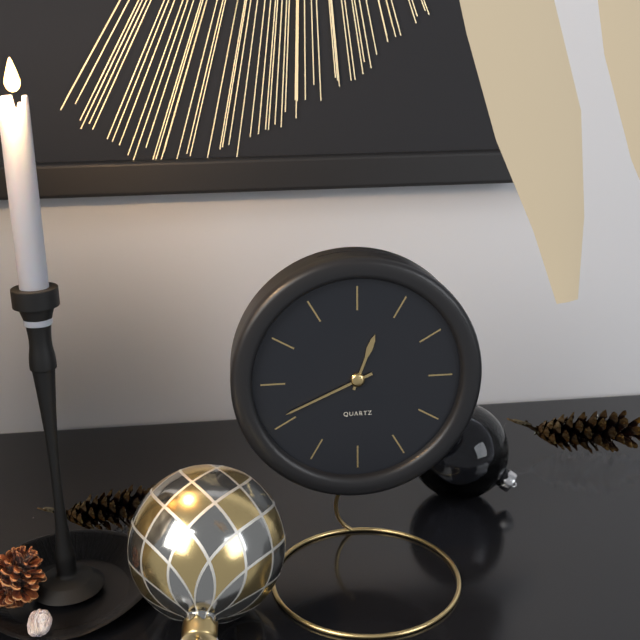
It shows {"hour": 12, "minute": 41}
